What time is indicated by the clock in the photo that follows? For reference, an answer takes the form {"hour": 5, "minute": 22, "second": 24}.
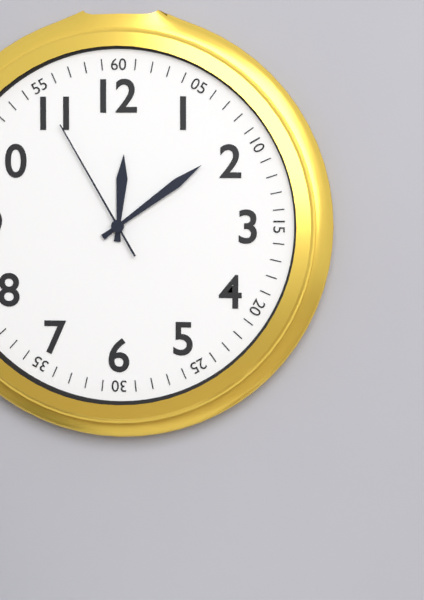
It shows {"hour": 12, "minute": 9, "second": 55}
